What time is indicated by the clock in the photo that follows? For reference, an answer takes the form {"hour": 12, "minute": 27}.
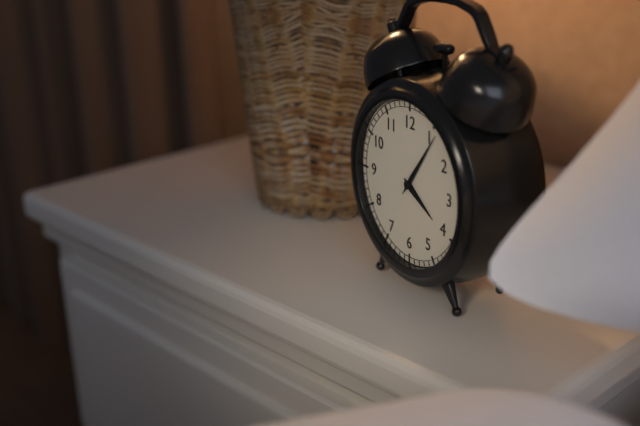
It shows {"hour": 4, "minute": 6}
